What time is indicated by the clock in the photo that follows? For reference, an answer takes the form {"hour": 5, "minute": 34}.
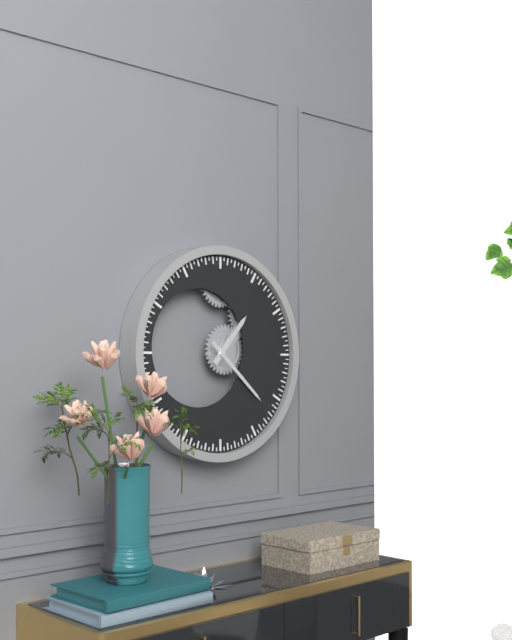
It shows {"hour": 1, "minute": 22}
